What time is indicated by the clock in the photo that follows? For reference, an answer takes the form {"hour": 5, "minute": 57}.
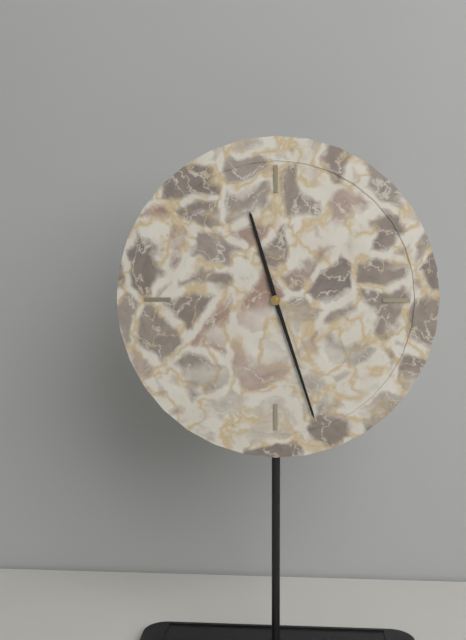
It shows {"hour": 11, "minute": 27}
